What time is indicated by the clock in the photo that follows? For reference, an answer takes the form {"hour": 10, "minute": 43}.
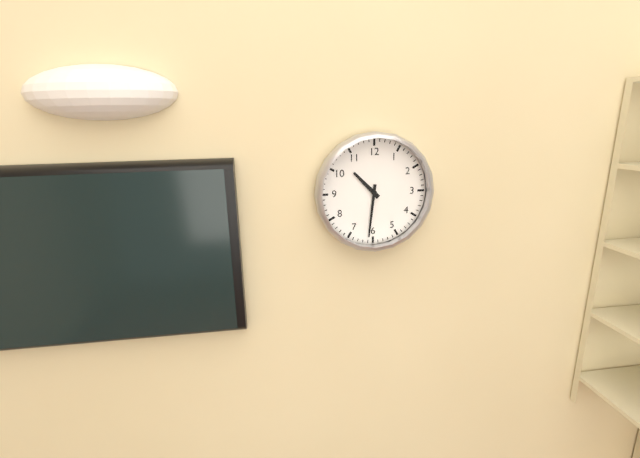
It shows {"hour": 10, "minute": 31}
